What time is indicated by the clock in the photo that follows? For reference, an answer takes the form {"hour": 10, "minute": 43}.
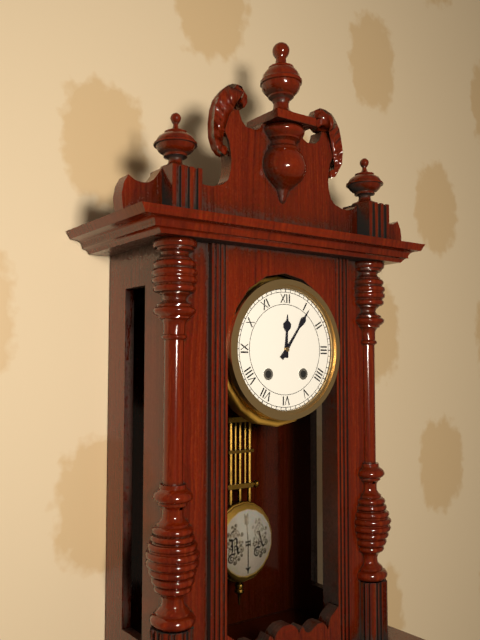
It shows {"hour": 12, "minute": 6}
